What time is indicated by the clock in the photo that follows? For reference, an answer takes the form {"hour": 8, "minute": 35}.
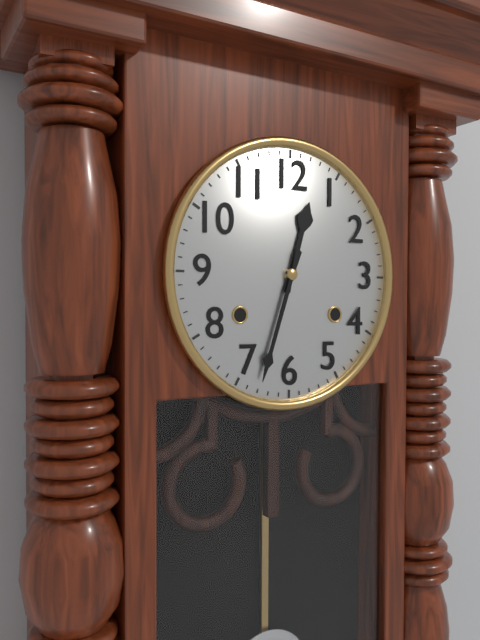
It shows {"hour": 12, "minute": 33}
